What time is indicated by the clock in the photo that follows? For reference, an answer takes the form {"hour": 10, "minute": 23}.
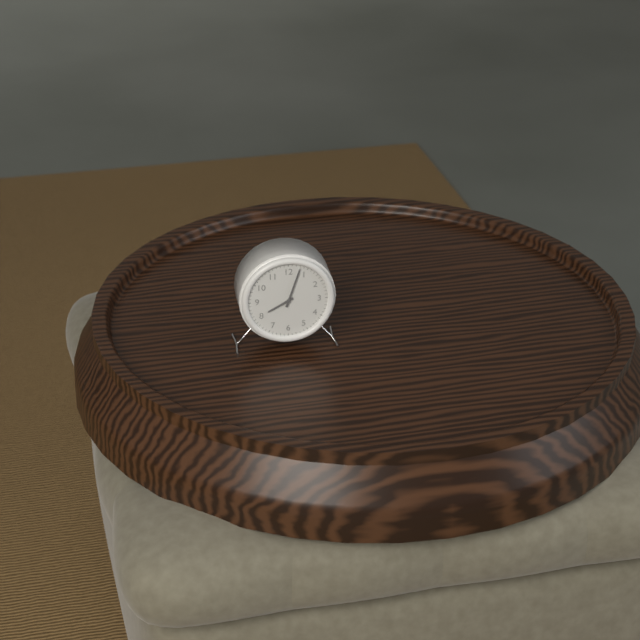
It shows {"hour": 8, "minute": 3}
